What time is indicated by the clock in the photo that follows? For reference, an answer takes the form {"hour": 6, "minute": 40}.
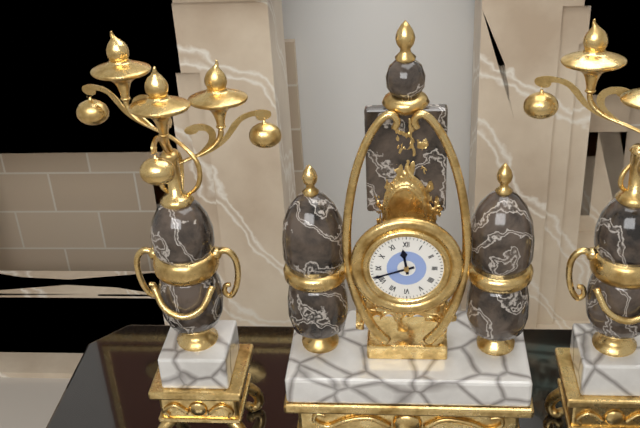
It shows {"hour": 11, "minute": 42}
